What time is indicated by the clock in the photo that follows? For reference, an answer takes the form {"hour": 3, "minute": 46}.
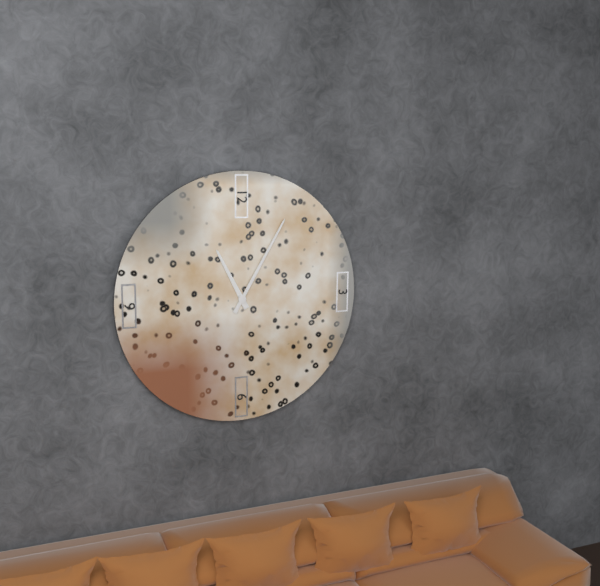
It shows {"hour": 11, "minute": 5}
